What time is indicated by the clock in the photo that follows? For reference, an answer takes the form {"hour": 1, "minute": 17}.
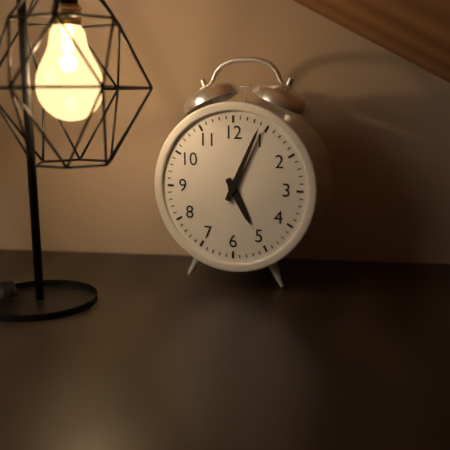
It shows {"hour": 5, "minute": 4}
